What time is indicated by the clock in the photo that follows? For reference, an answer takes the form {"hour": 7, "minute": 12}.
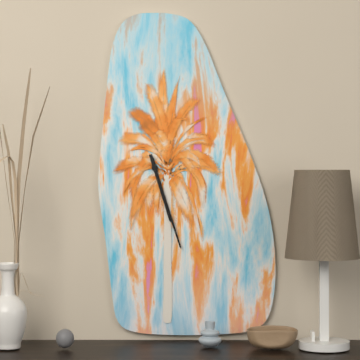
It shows {"hour": 5, "minute": 27}
